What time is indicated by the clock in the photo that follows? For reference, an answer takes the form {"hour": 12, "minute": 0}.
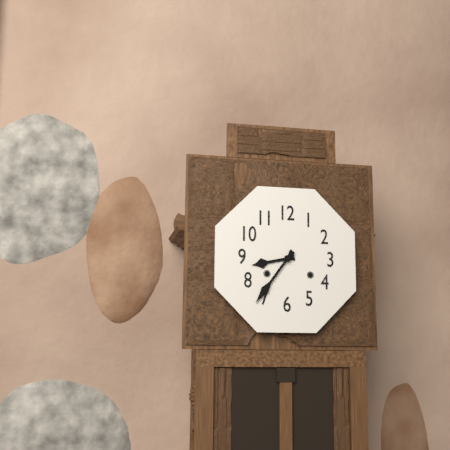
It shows {"hour": 8, "minute": 36}
